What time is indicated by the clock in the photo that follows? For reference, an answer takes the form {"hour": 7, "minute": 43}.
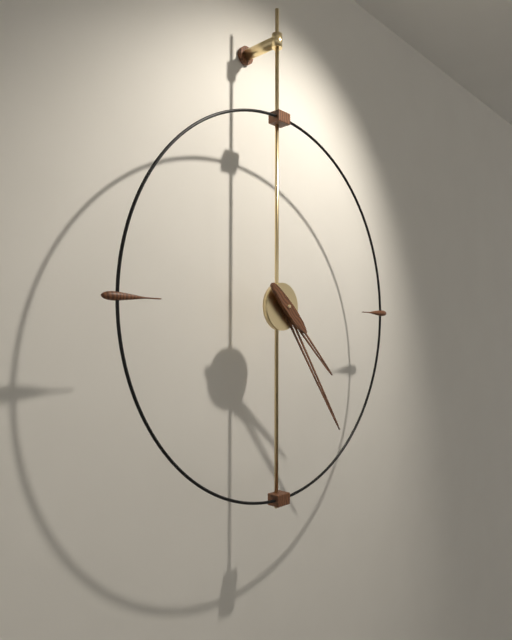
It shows {"hour": 4, "minute": 24}
